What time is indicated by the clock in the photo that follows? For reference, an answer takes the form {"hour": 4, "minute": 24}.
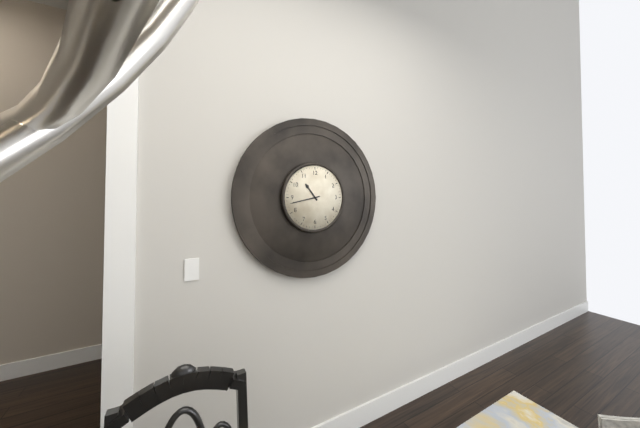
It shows {"hour": 10, "minute": 43}
